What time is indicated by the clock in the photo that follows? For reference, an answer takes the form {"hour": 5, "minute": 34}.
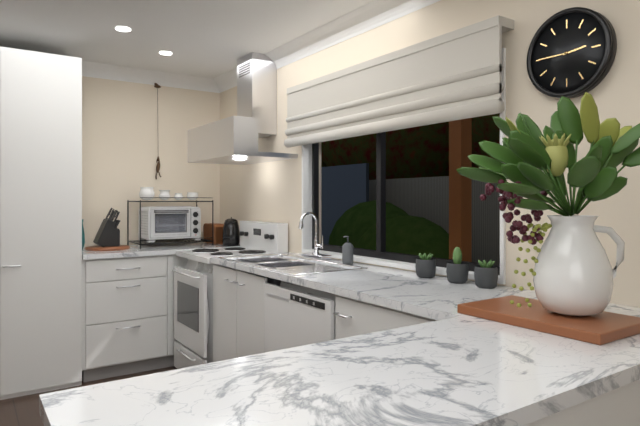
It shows {"hour": 2, "minute": 45}
